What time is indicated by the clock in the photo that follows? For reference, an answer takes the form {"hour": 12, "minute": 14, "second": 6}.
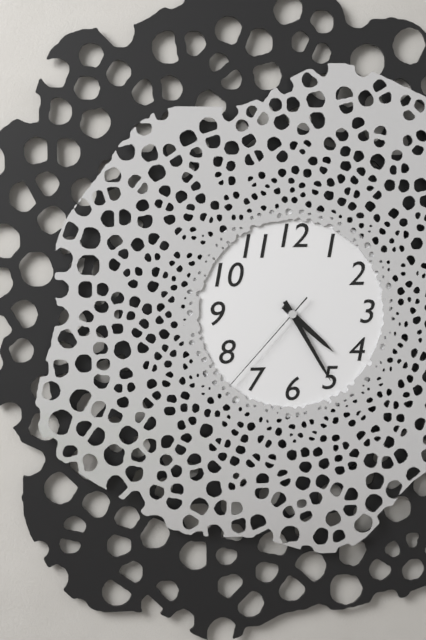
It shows {"hour": 4, "minute": 25, "second": 37}
